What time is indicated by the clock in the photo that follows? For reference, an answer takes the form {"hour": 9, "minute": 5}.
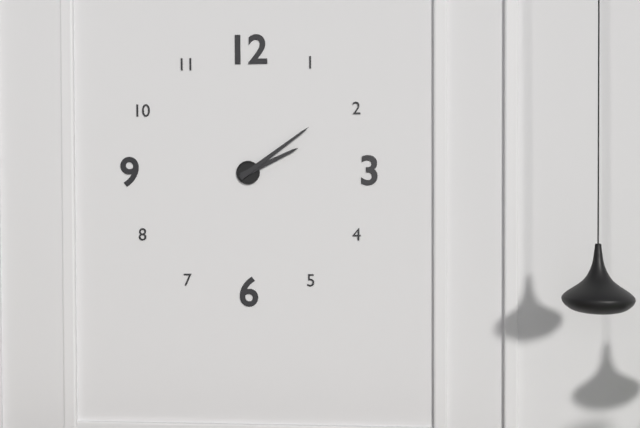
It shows {"hour": 2, "minute": 9}
